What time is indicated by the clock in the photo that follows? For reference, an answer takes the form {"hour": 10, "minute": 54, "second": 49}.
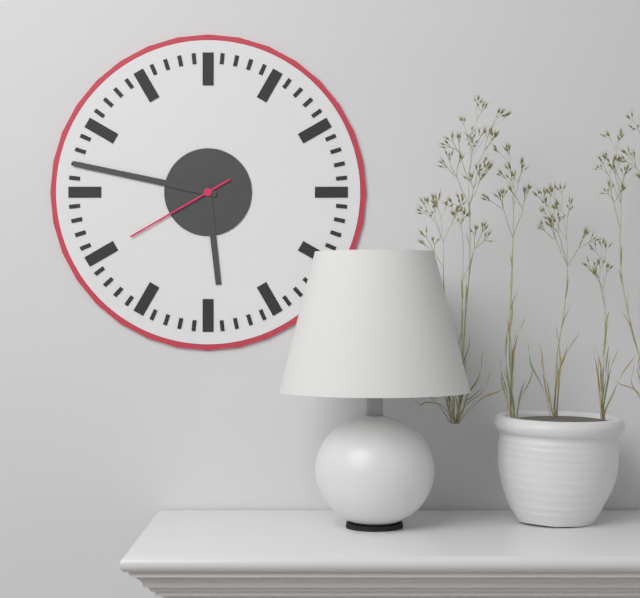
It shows {"hour": 5, "minute": 47, "second": 40}
